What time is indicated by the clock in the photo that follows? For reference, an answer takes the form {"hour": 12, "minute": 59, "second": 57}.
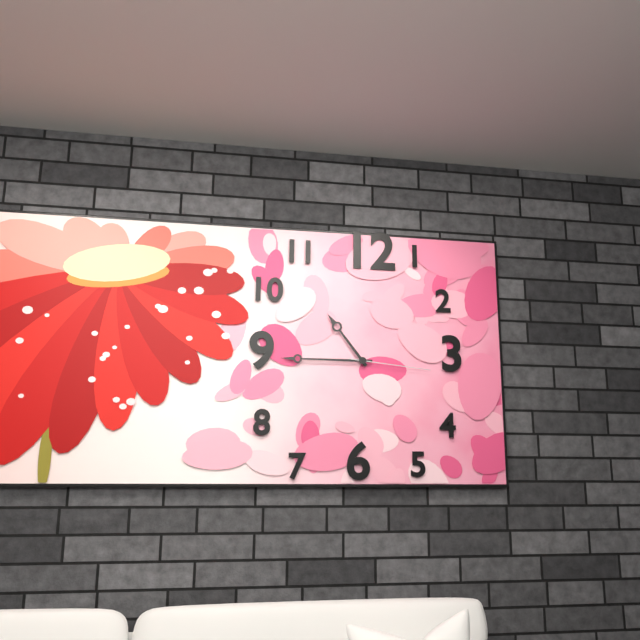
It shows {"hour": 10, "minute": 45, "second": 16}
